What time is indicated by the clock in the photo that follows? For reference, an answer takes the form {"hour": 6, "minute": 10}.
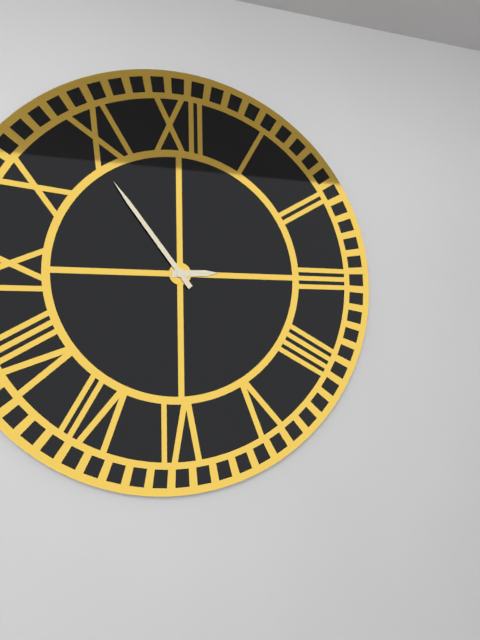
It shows {"hour": 2, "minute": 54}
